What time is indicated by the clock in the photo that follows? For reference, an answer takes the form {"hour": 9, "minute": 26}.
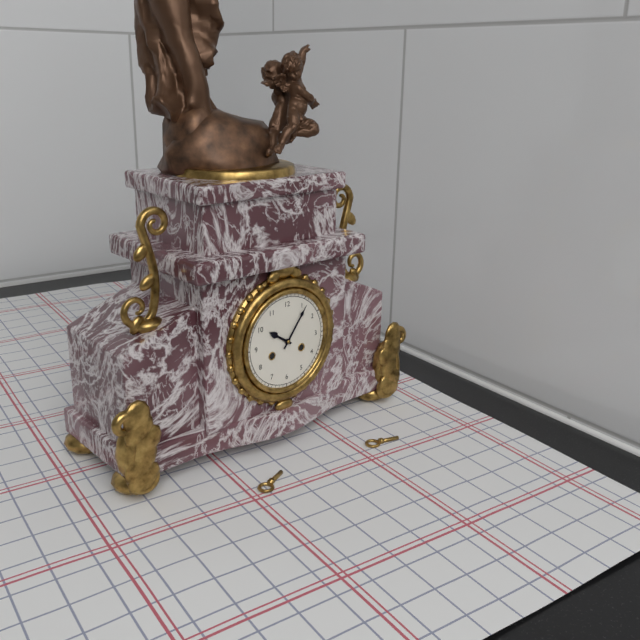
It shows {"hour": 10, "minute": 6}
